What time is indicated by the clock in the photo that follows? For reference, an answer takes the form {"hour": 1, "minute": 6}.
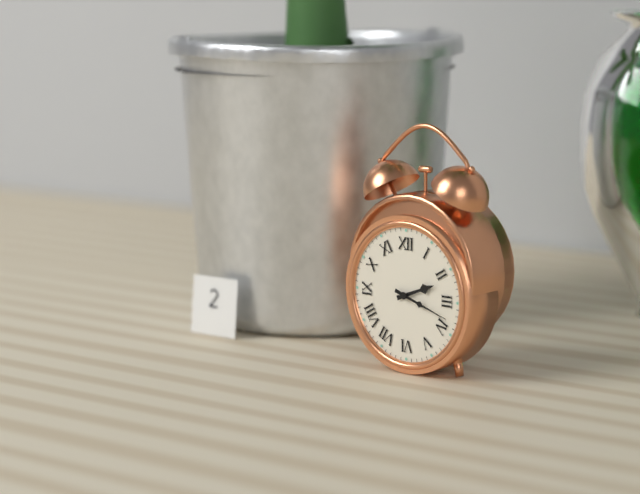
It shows {"hour": 2, "minute": 18}
